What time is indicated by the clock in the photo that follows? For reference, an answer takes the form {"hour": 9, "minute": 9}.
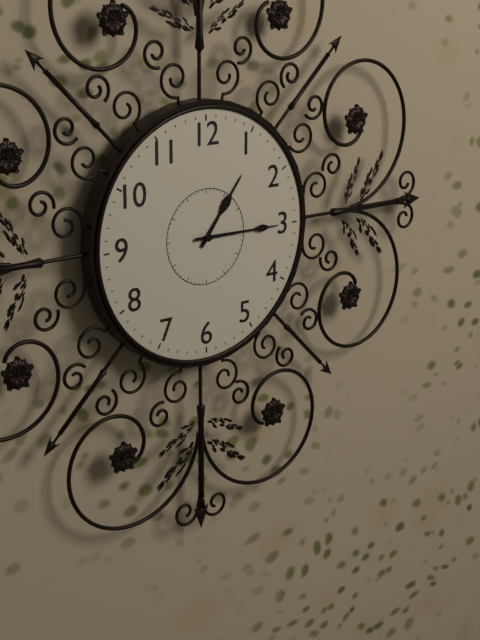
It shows {"hour": 1, "minute": 15}
